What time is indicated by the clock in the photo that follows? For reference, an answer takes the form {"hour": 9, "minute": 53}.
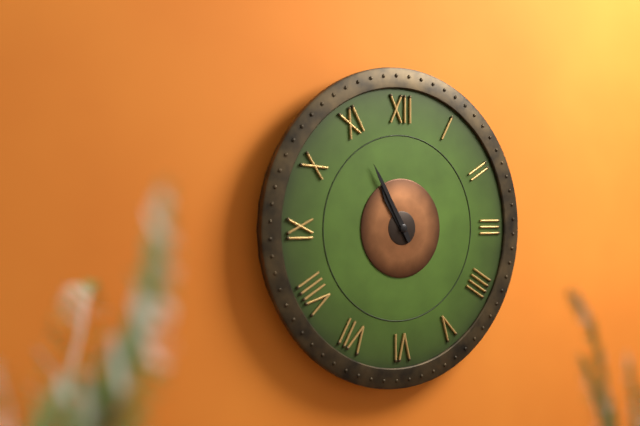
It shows {"hour": 10, "minute": 55}
